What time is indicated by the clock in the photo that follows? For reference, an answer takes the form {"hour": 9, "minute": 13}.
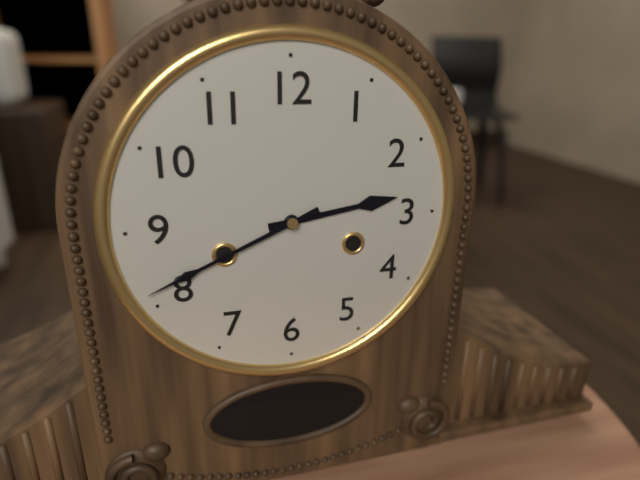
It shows {"hour": 2, "minute": 41}
